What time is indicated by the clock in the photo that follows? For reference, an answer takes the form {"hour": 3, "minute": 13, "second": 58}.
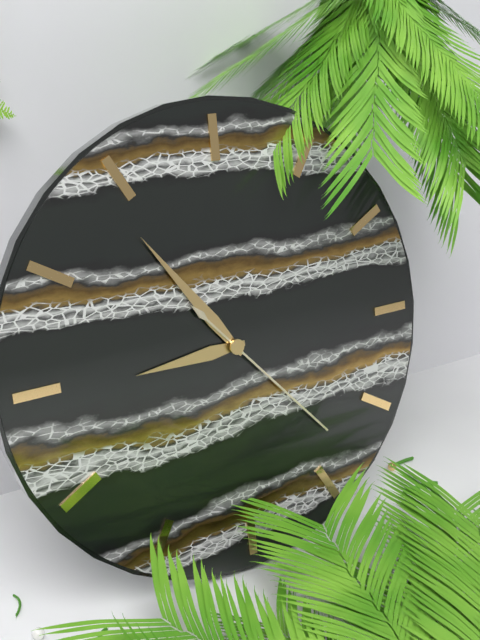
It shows {"hour": 8, "minute": 54, "second": 23}
